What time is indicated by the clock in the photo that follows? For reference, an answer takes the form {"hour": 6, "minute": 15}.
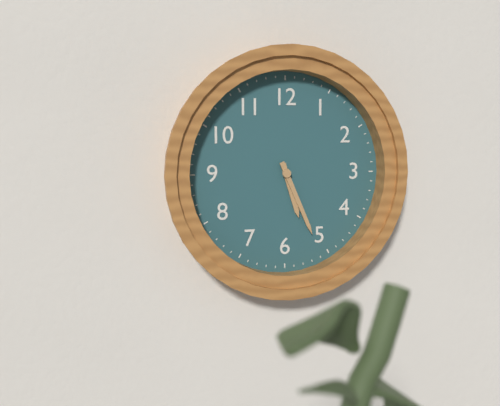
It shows {"hour": 5, "minute": 26}
